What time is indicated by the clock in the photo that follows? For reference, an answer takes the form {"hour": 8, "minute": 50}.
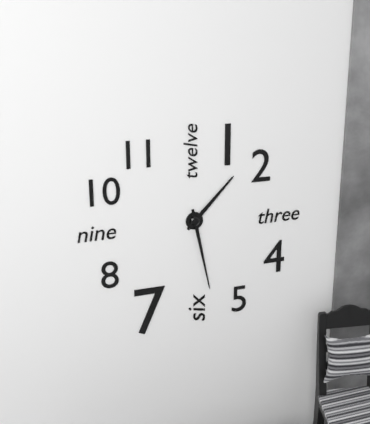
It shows {"hour": 1, "minute": 28}
